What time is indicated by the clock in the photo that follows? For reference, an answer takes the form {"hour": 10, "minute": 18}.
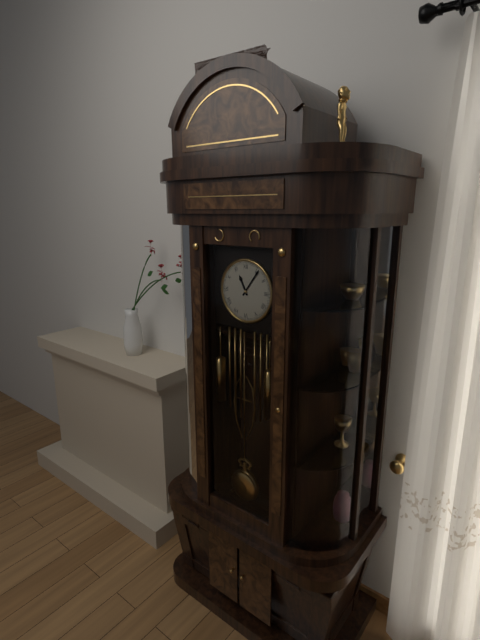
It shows {"hour": 11, "minute": 6}
